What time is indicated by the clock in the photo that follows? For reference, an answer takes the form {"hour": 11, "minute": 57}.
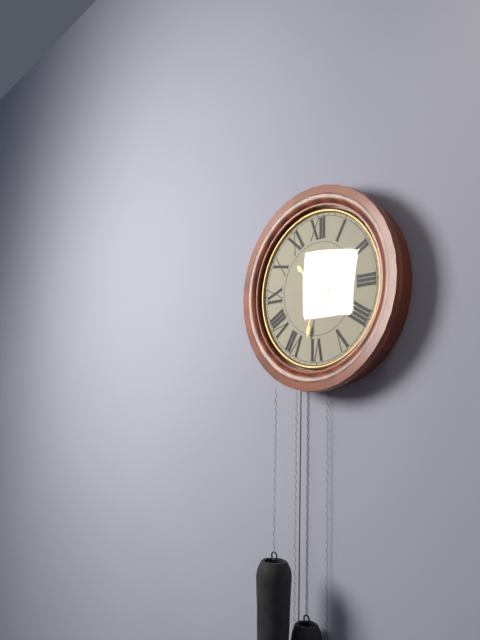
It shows {"hour": 10, "minute": 32}
